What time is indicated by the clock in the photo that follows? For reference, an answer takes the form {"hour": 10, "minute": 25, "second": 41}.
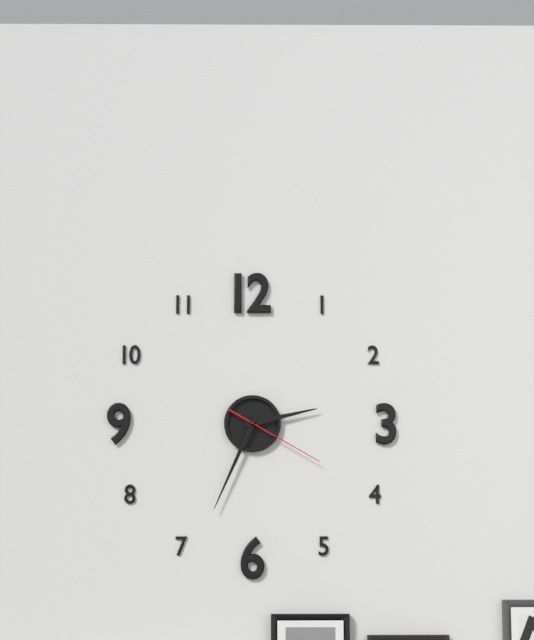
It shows {"hour": 2, "minute": 34, "second": 20}
